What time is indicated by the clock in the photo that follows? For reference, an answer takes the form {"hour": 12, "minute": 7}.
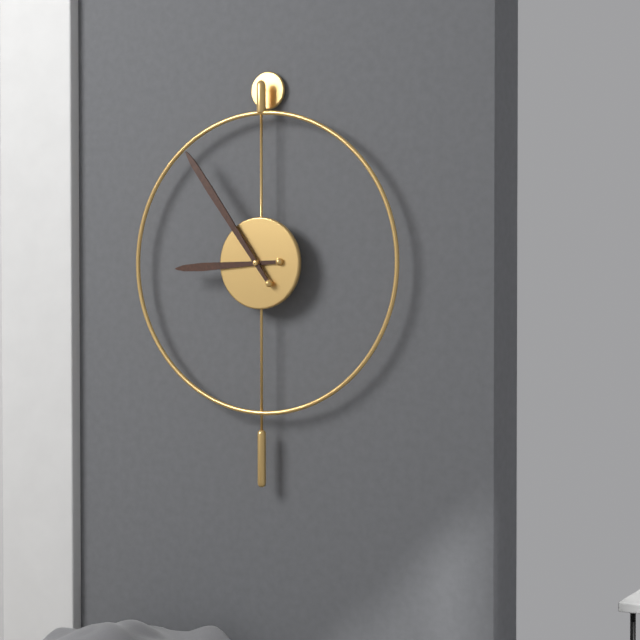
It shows {"hour": 8, "minute": 54}
